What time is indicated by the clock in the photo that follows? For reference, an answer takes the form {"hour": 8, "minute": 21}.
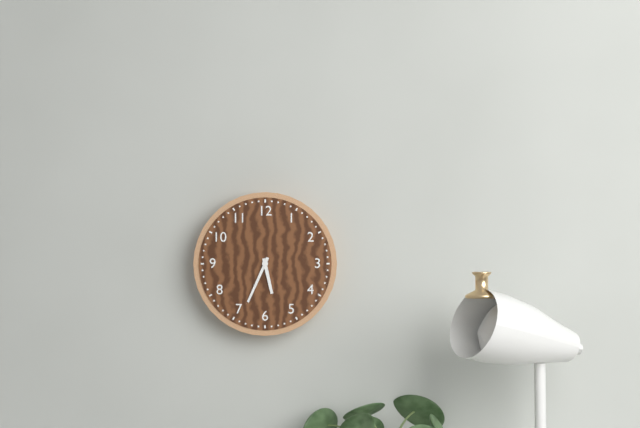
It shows {"hour": 5, "minute": 34}
